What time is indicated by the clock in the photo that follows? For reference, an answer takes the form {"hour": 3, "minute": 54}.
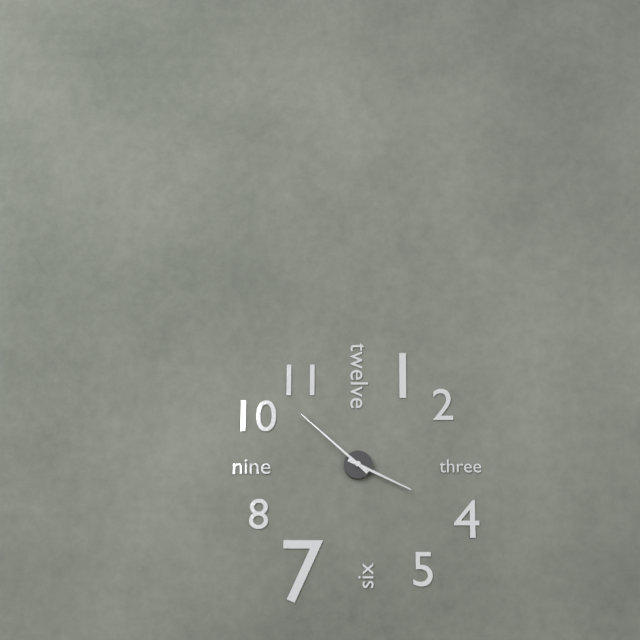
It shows {"hour": 3, "minute": 52}
